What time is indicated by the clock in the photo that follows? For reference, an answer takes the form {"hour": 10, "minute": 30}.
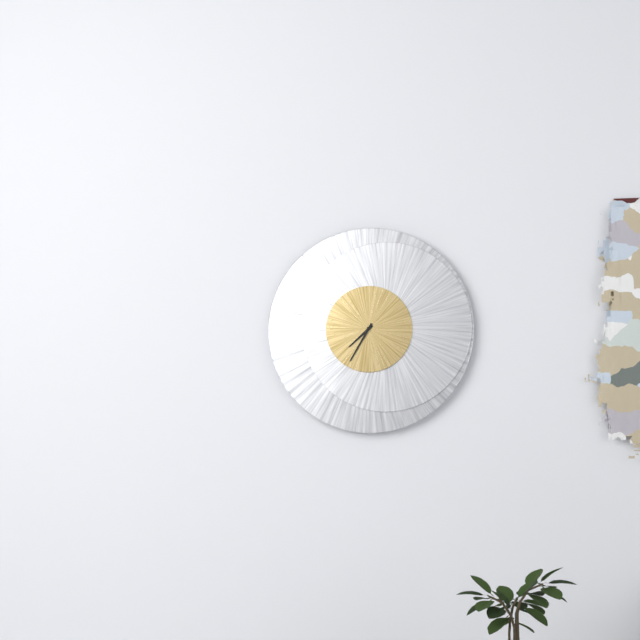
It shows {"hour": 7, "minute": 35}
